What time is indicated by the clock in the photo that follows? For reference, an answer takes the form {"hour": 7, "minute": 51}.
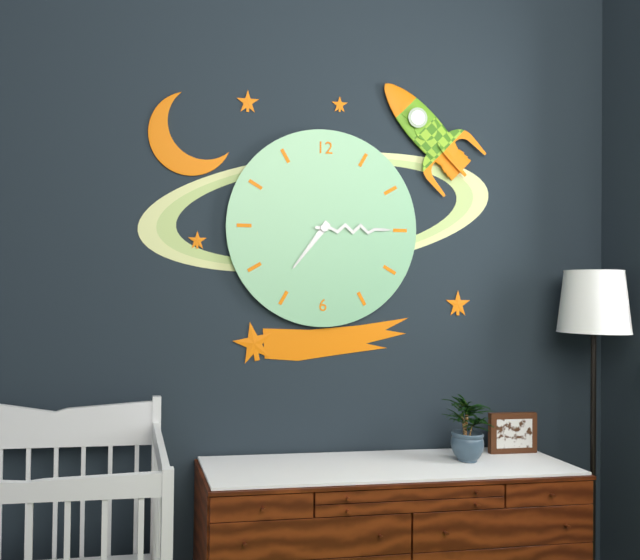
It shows {"hour": 7, "minute": 15}
